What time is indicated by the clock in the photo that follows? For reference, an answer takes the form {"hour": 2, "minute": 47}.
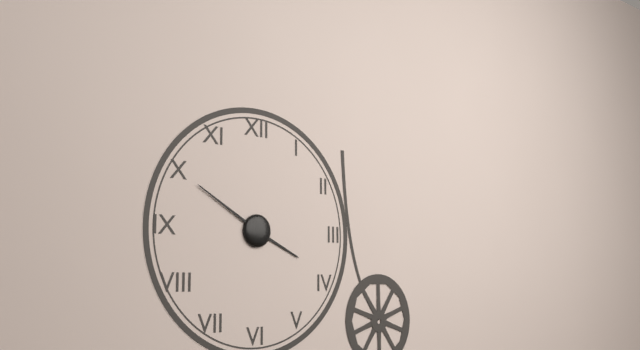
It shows {"hour": 3, "minute": 50}
